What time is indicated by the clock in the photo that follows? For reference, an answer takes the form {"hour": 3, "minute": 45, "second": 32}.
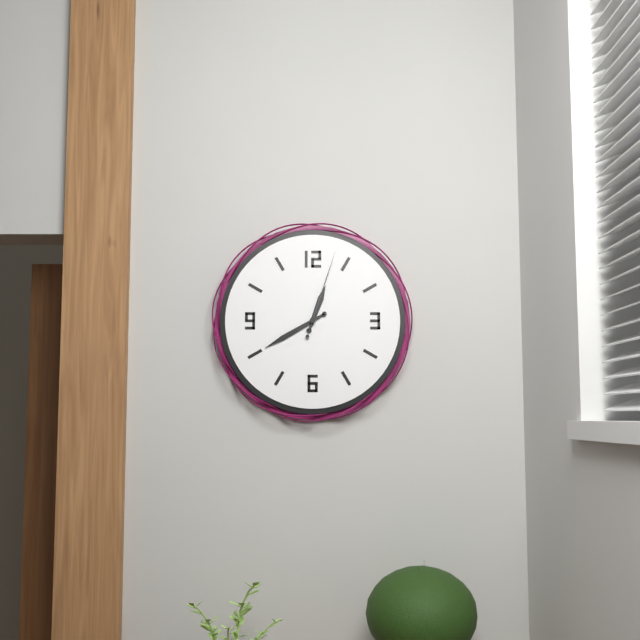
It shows {"hour": 12, "minute": 40, "second": 3}
